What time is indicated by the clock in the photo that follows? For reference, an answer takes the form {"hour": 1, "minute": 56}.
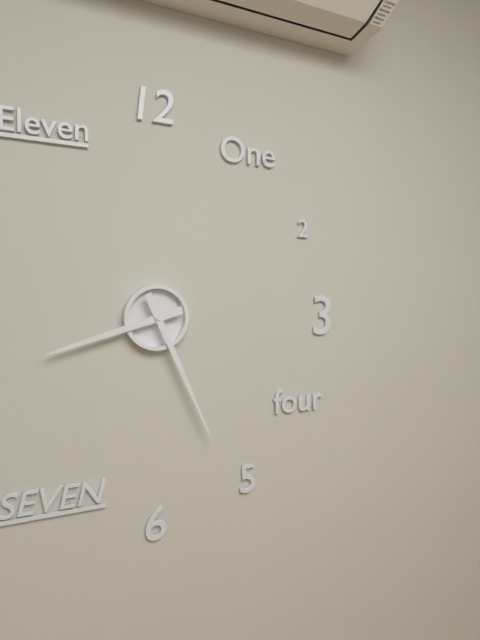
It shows {"hour": 8, "minute": 26}
